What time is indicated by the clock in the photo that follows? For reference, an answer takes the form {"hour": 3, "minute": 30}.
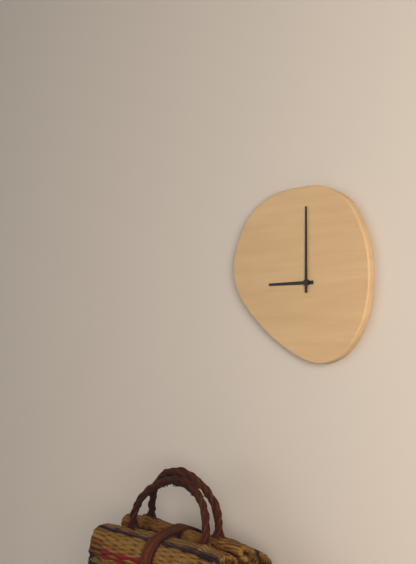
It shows {"hour": 9, "minute": 0}
